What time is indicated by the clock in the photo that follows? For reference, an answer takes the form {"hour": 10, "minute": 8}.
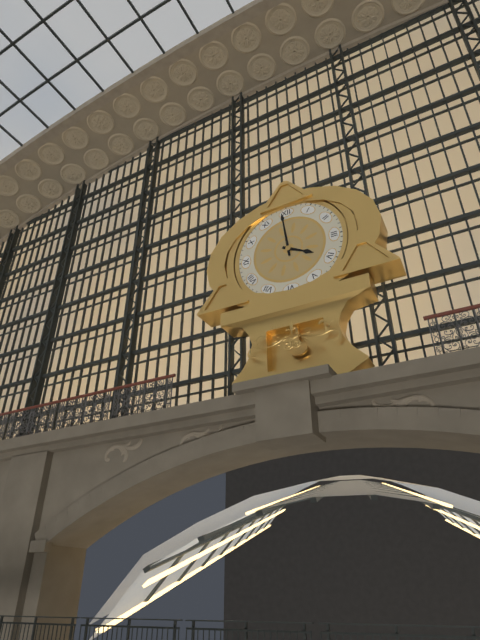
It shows {"hour": 3, "minute": 59}
